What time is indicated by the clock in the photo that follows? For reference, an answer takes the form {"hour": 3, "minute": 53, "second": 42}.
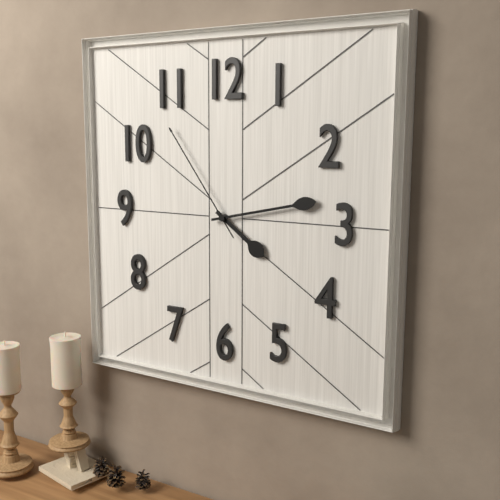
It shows {"hour": 4, "minute": 13, "second": 54}
